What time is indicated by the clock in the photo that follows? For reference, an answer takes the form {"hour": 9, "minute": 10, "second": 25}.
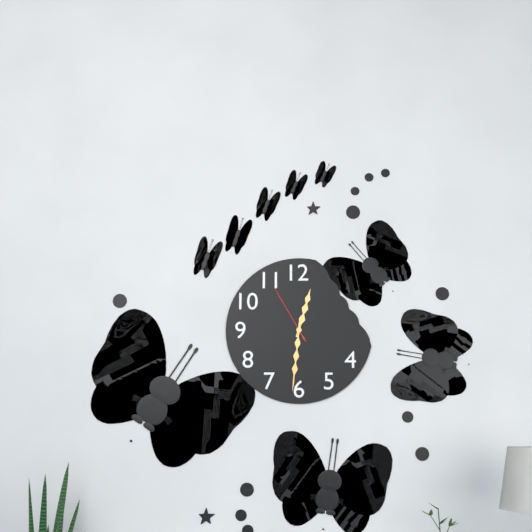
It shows {"hour": 12, "minute": 31, "second": 55}
